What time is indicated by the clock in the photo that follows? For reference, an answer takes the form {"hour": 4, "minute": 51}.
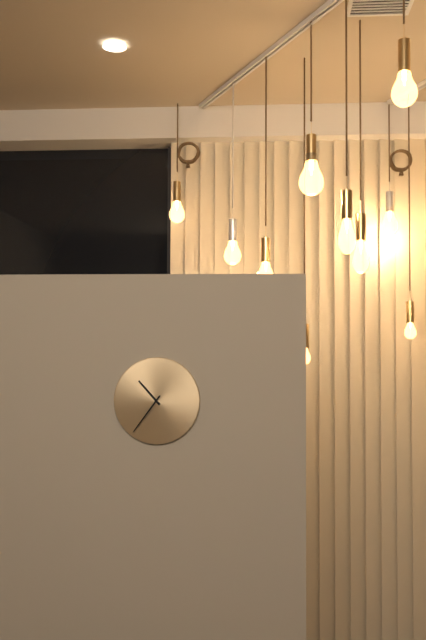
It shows {"hour": 10, "minute": 36}
